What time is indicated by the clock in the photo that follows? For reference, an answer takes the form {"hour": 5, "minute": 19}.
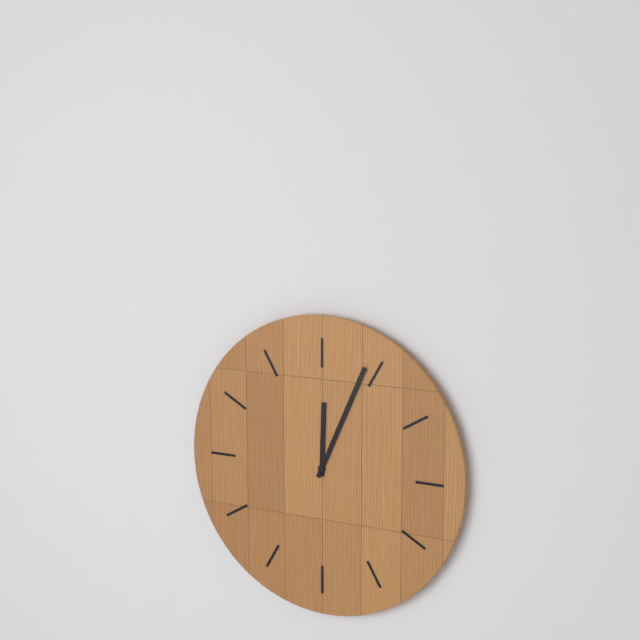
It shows {"hour": 12, "minute": 4}
